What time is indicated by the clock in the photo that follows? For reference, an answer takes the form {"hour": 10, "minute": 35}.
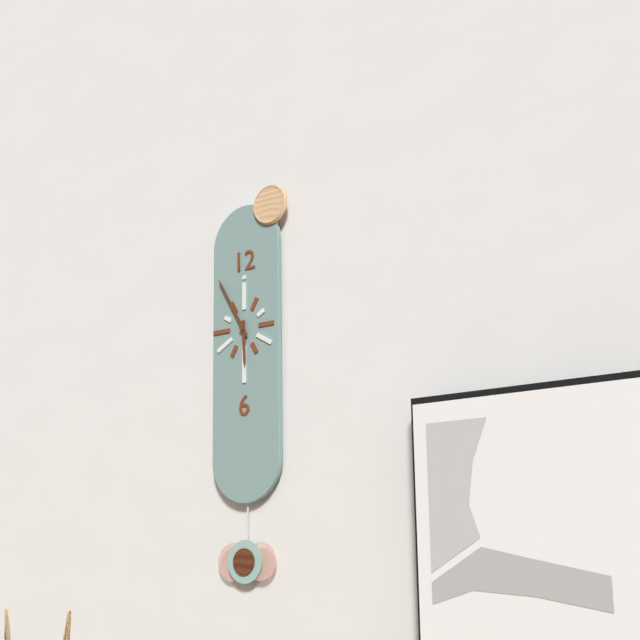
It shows {"hour": 5, "minute": 55}
